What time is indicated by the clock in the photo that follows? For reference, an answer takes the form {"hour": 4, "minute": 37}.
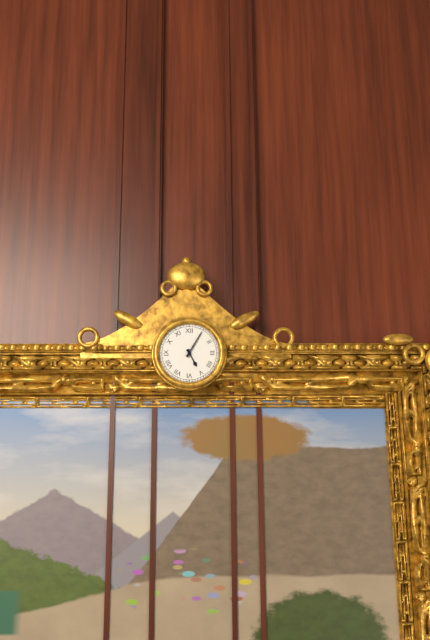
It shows {"hour": 5, "minute": 5}
